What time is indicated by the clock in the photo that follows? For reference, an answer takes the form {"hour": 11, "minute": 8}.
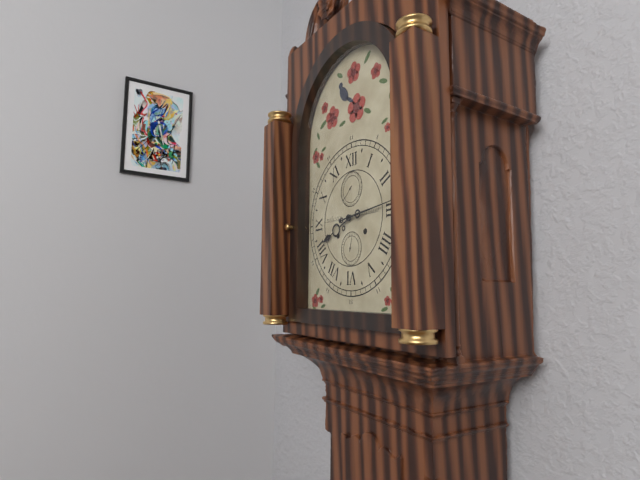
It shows {"hour": 8, "minute": 14}
